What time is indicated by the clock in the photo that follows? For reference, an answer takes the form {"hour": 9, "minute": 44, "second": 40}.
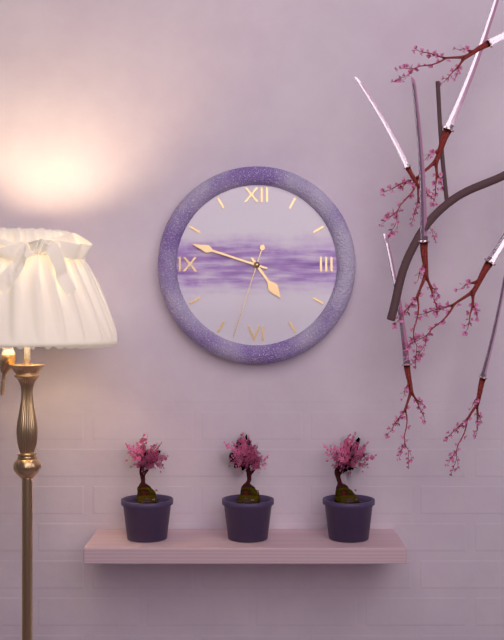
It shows {"hour": 4, "minute": 48, "second": 33}
